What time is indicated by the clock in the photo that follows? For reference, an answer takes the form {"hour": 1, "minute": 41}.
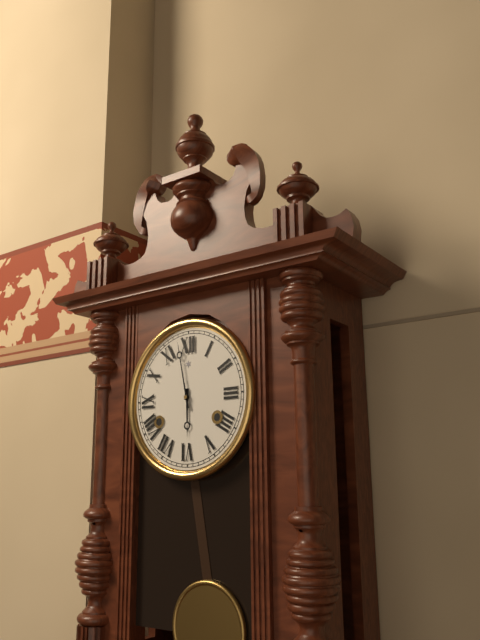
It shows {"hour": 5, "minute": 58}
